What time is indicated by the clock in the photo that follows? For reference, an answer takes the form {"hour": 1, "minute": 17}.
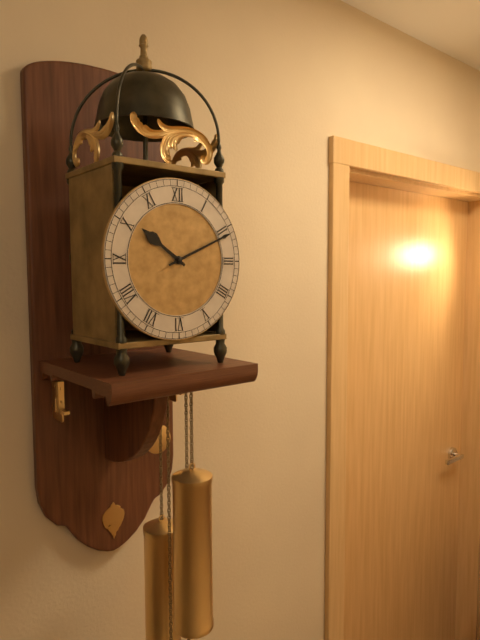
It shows {"hour": 10, "minute": 11}
